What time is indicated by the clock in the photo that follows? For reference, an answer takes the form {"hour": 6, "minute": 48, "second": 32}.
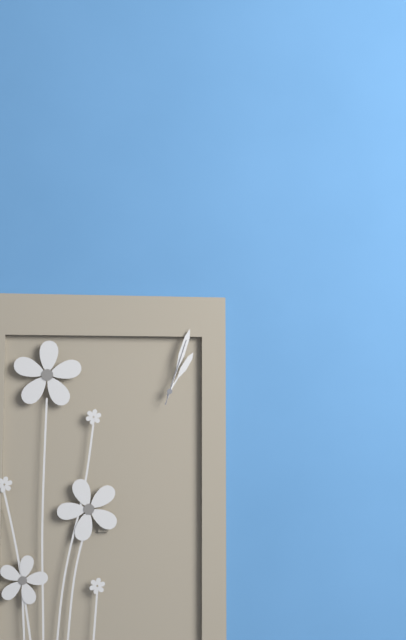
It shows {"hour": 1, "minute": 3, "second": 3}
